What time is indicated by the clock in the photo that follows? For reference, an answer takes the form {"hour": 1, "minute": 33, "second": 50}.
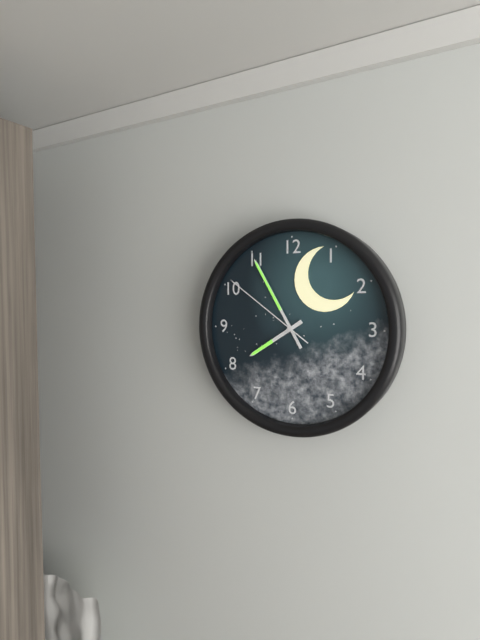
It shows {"hour": 7, "minute": 55, "second": 51}
